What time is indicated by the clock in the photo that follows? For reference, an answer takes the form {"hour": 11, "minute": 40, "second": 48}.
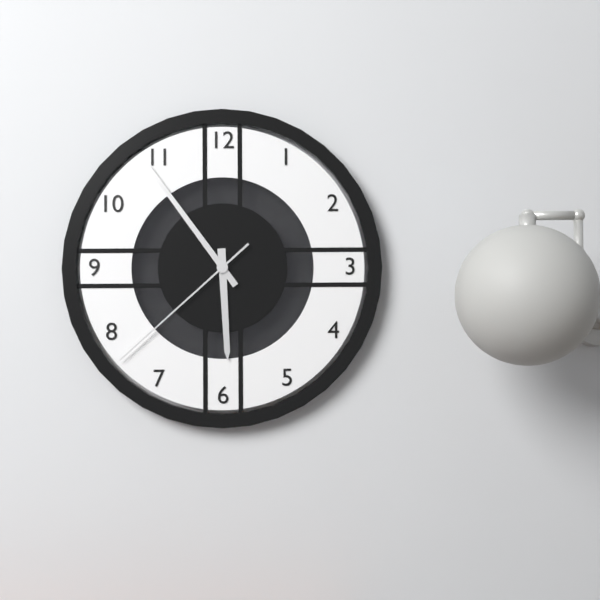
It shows {"hour": 5, "minute": 54, "second": 38}
